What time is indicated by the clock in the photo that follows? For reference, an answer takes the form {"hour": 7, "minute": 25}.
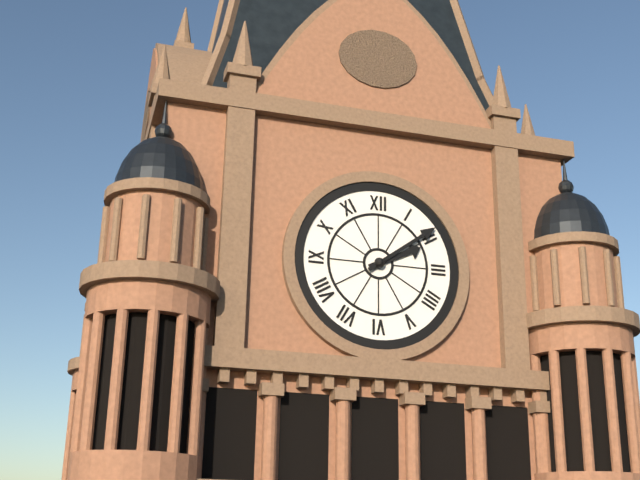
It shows {"hour": 2, "minute": 9}
